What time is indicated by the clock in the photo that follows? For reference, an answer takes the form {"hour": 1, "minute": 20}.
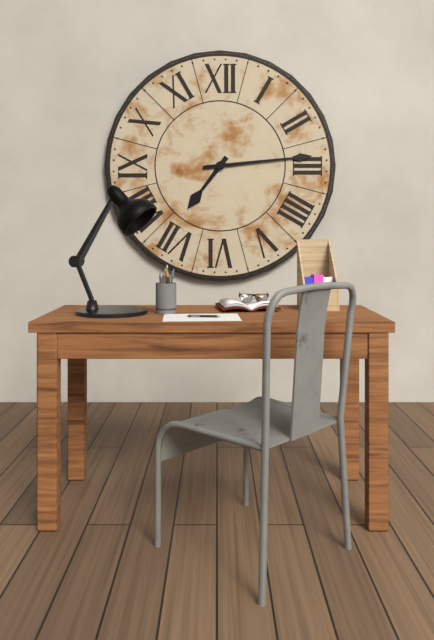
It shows {"hour": 7, "minute": 14}
